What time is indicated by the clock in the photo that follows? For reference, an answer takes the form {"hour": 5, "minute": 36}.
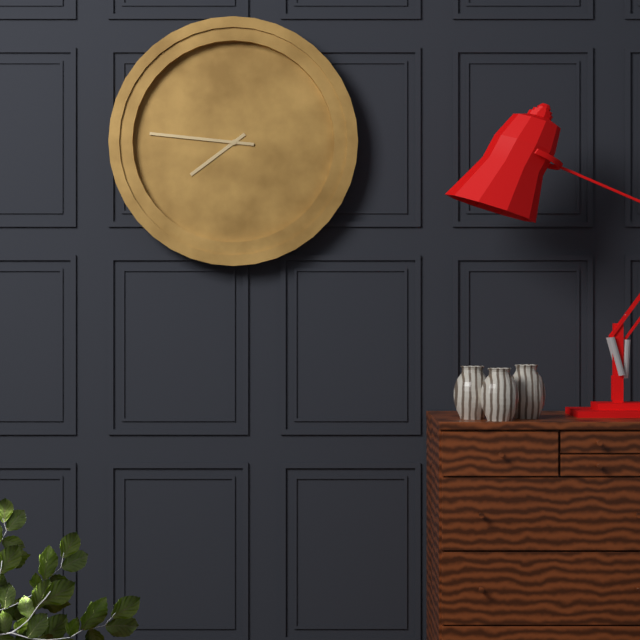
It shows {"hour": 7, "minute": 46}
